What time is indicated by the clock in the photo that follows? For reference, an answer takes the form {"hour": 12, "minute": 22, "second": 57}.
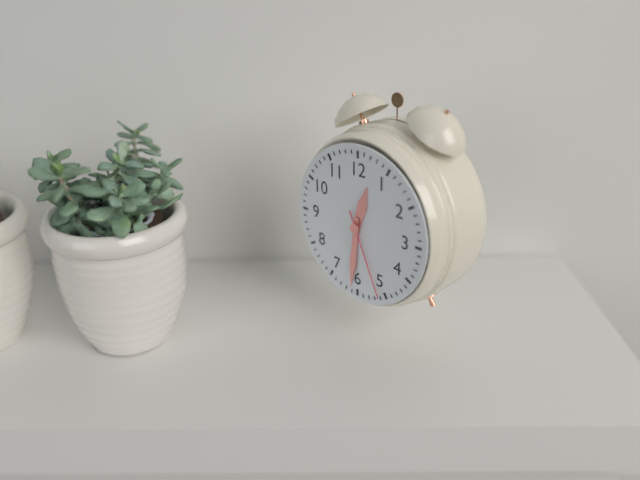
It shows {"hour": 12, "minute": 31, "second": 26}
